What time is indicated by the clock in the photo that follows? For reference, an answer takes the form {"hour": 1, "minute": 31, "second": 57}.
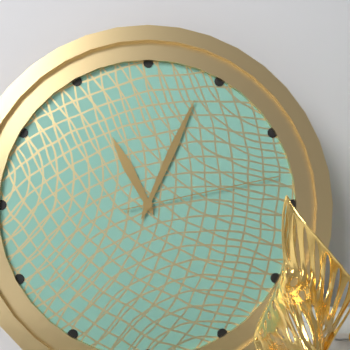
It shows {"hour": 11, "minute": 4, "second": 13}
